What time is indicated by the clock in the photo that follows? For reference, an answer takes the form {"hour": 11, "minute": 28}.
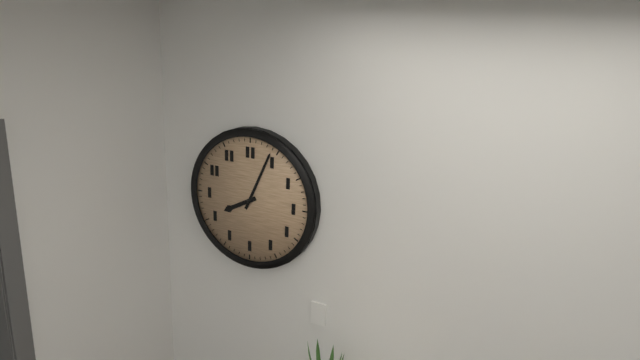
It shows {"hour": 8, "minute": 4}
